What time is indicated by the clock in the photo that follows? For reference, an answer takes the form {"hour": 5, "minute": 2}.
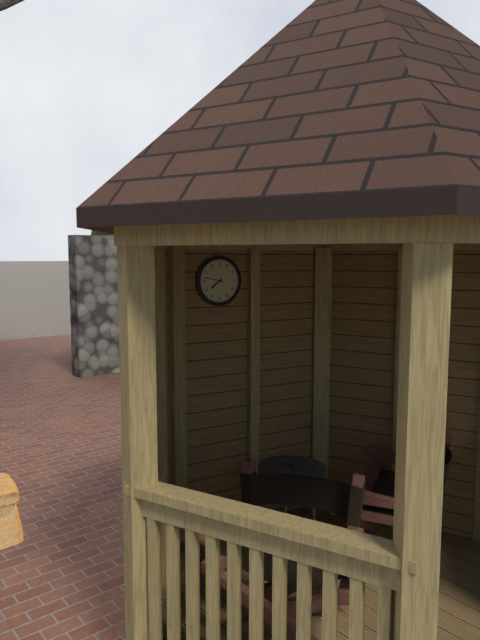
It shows {"hour": 7, "minute": 47}
